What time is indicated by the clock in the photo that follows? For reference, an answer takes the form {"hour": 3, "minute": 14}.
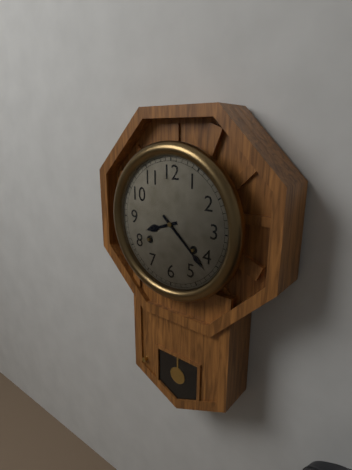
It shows {"hour": 8, "minute": 22}
